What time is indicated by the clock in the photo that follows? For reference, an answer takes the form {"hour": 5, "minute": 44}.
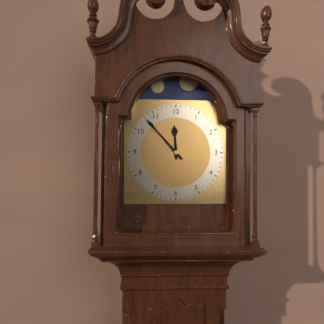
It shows {"hour": 11, "minute": 53}
